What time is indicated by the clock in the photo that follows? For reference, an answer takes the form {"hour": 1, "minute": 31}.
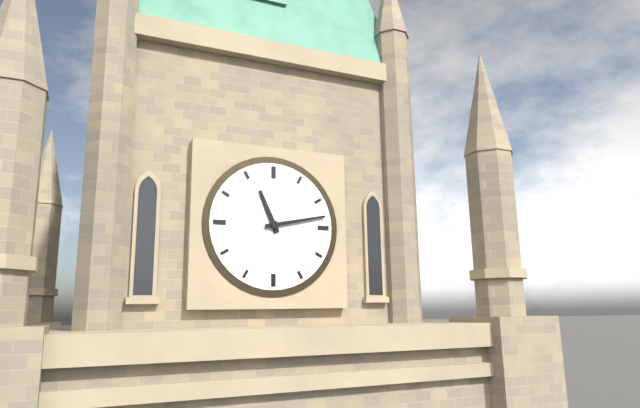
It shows {"hour": 11, "minute": 13}
